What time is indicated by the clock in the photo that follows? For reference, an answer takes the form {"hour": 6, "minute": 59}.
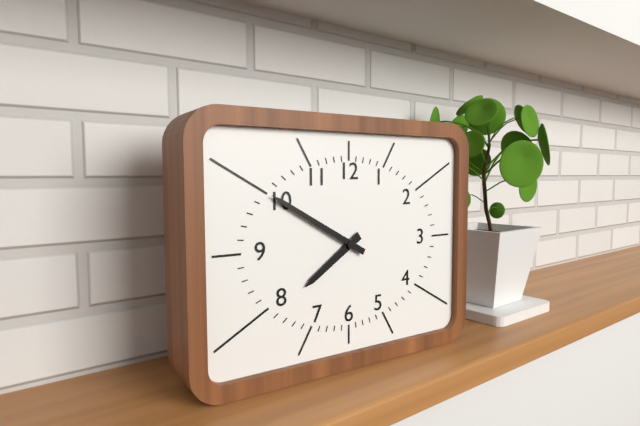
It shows {"hour": 7, "minute": 50}
